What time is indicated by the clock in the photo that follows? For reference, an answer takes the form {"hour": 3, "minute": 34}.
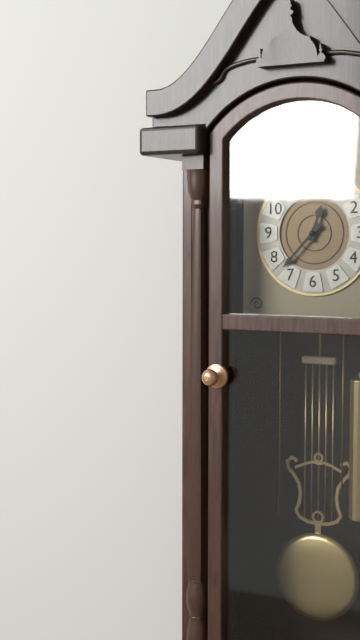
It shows {"hour": 12, "minute": 37}
